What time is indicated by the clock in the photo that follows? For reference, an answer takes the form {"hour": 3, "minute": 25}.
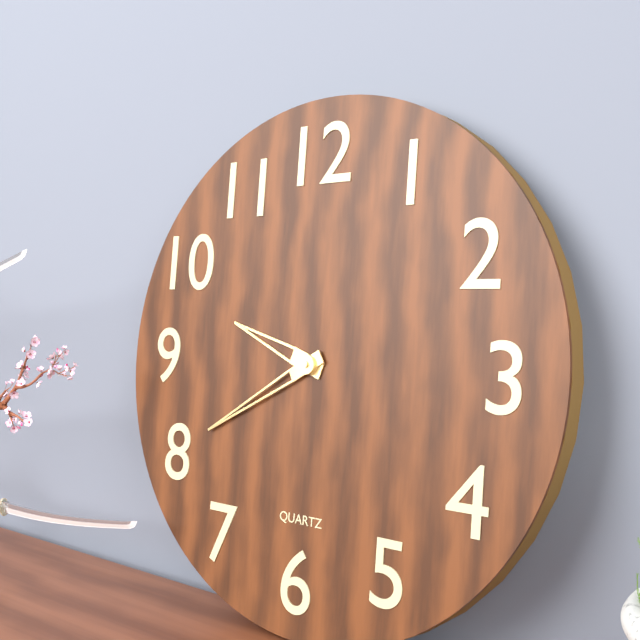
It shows {"hour": 9, "minute": 40}
